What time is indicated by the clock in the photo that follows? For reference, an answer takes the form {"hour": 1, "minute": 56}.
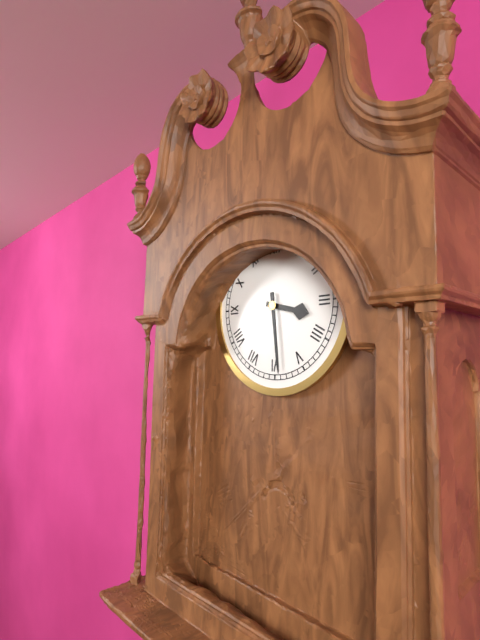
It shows {"hour": 3, "minute": 29}
